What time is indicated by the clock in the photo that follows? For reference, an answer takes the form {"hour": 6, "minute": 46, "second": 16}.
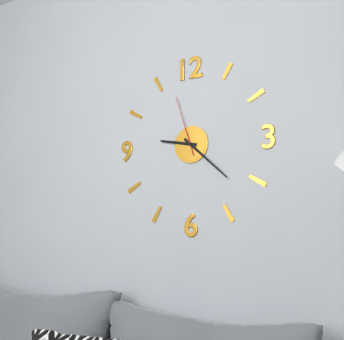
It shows {"hour": 9, "minute": 22, "second": 57}
